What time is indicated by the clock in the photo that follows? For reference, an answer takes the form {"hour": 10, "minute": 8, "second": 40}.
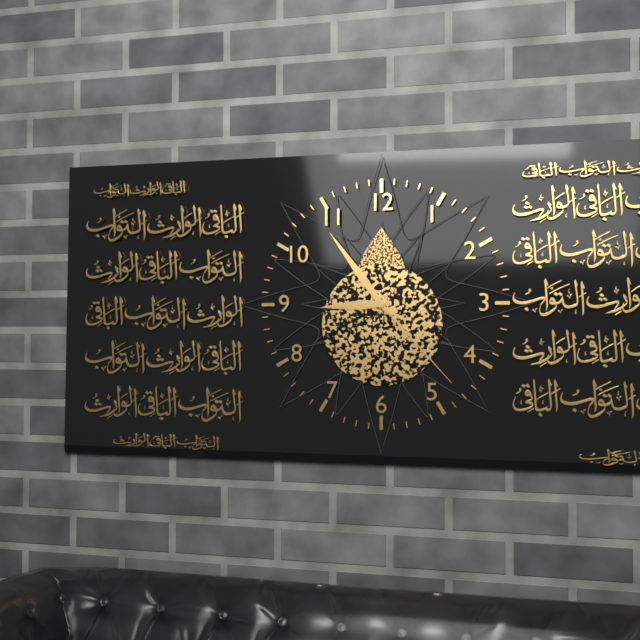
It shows {"hour": 8, "minute": 54, "second": 23}
